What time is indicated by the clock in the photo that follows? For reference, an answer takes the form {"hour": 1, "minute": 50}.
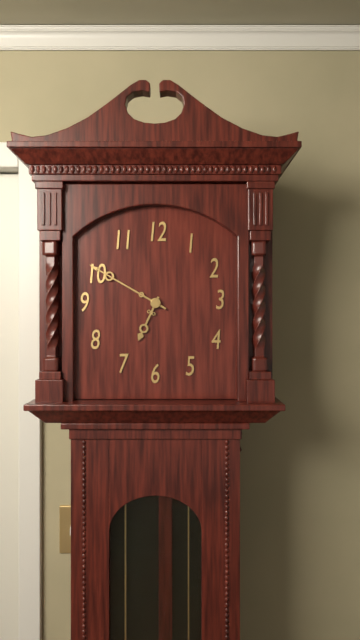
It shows {"hour": 6, "minute": 50}
